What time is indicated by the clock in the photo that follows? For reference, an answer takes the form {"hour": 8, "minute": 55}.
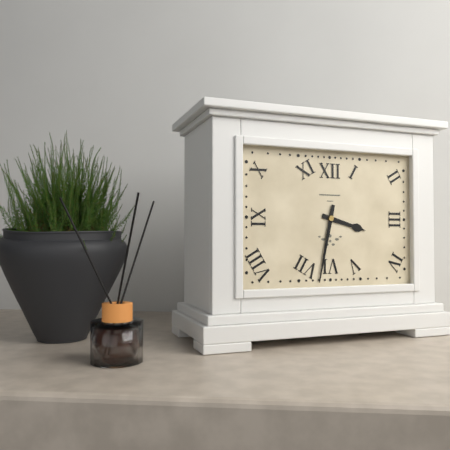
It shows {"hour": 3, "minute": 32}
